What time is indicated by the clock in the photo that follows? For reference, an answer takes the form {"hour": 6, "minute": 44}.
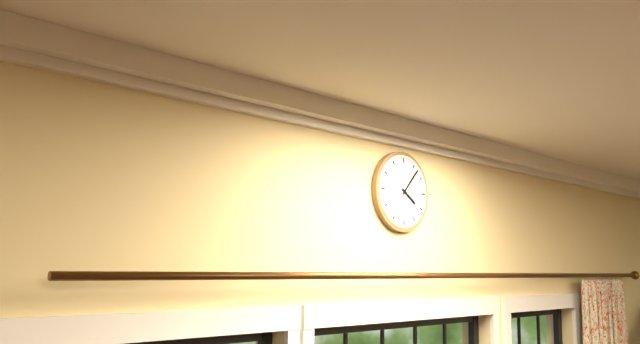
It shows {"hour": 4, "minute": 7}
